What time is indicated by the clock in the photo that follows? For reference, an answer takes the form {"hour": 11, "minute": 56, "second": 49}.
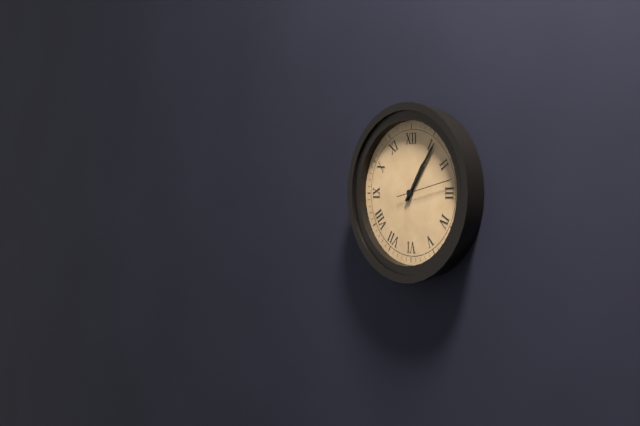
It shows {"hour": 1, "minute": 6, "second": 13}
